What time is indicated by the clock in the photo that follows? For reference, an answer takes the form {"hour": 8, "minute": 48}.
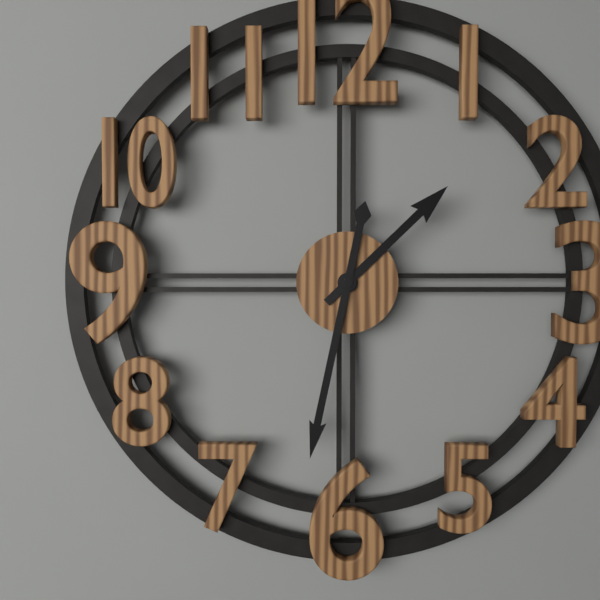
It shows {"hour": 1, "minute": 32}
